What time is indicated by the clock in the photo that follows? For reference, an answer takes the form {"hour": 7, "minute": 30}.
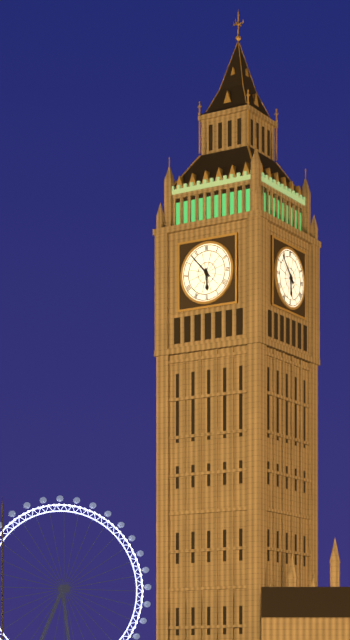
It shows {"hour": 5, "minute": 53}
